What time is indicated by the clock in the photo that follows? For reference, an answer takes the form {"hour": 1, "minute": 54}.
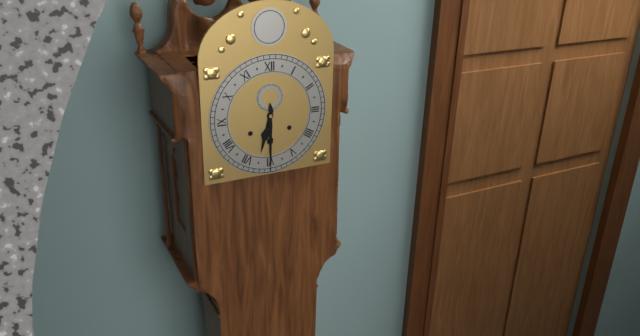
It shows {"hour": 6, "minute": 30}
